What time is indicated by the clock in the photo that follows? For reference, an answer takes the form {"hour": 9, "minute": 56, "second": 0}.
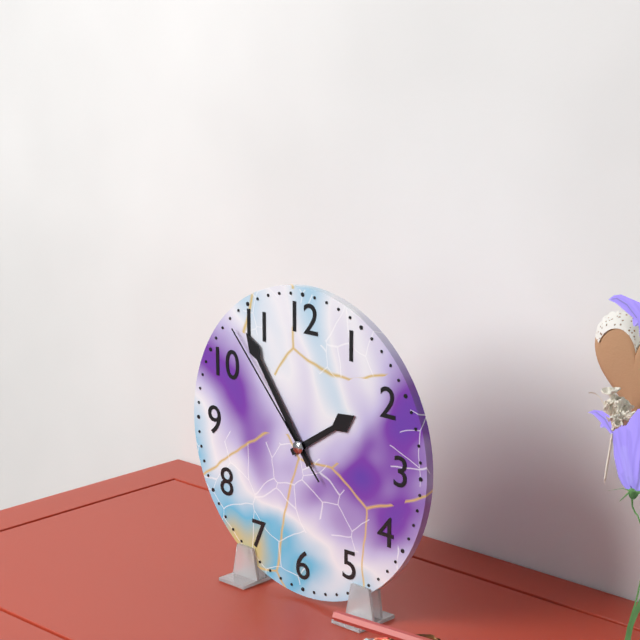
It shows {"hour": 1, "minute": 54, "second": 53}
